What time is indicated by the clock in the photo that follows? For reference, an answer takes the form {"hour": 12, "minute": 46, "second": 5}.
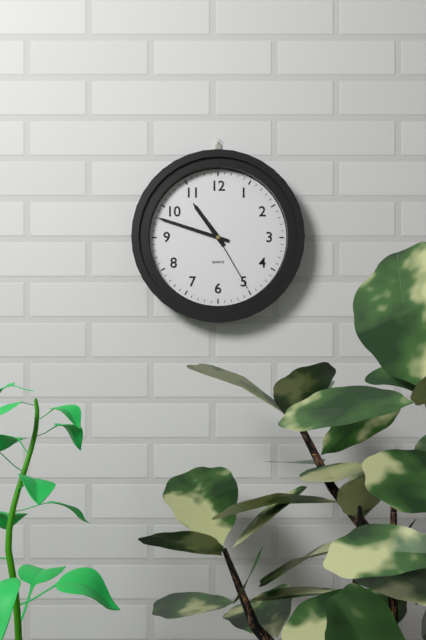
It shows {"hour": 10, "minute": 48, "second": 25}
